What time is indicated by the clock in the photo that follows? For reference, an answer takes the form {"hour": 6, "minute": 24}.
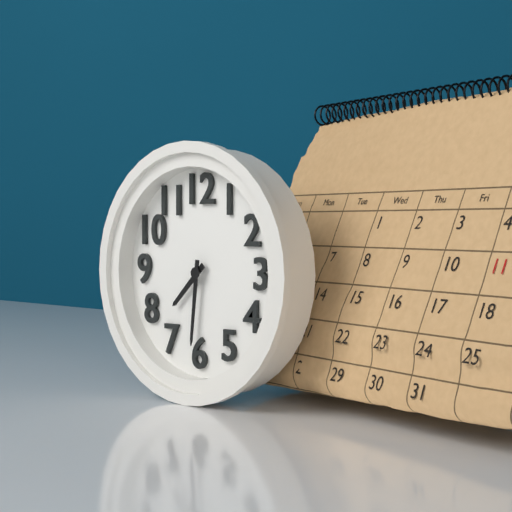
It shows {"hour": 7, "minute": 31}
